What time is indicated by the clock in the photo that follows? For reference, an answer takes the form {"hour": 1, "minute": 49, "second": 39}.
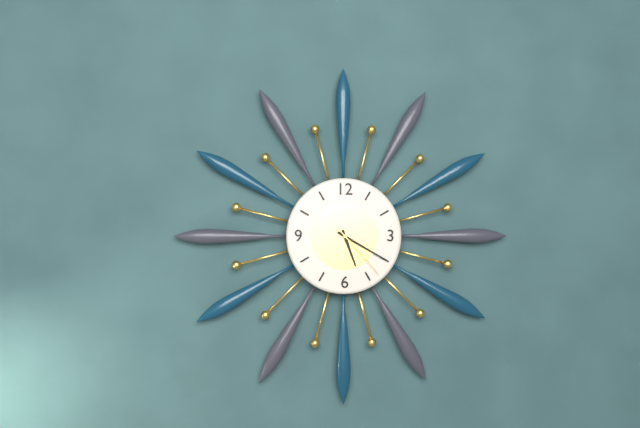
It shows {"hour": 5, "minute": 20, "second": 23}
